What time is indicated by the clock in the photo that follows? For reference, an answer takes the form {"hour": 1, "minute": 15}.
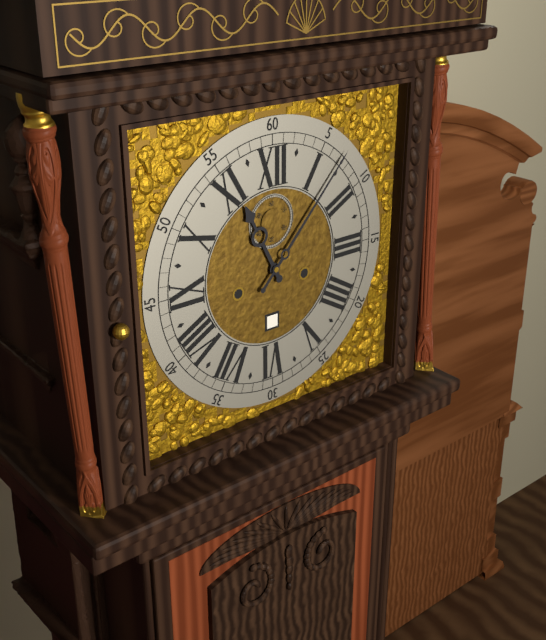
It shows {"hour": 11, "minute": 7}
